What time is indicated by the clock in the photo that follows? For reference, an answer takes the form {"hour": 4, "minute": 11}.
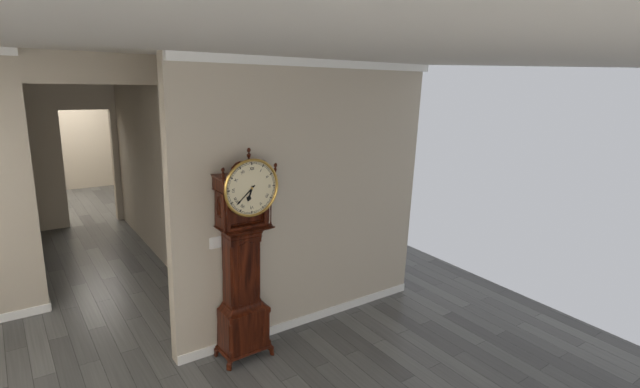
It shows {"hour": 6, "minute": 38}
